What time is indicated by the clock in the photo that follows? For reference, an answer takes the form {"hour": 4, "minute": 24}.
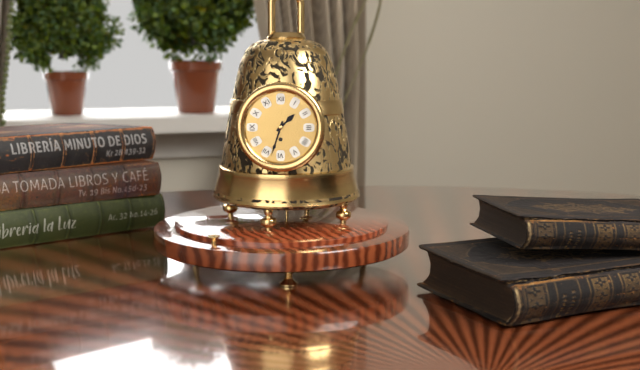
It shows {"hour": 1, "minute": 33}
